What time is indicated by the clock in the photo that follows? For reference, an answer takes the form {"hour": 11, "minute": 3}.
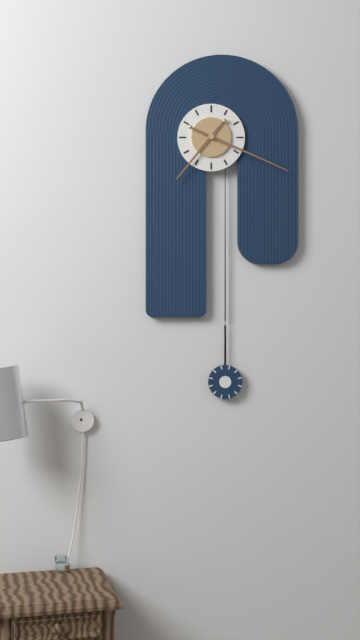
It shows {"hour": 7, "minute": 19}
